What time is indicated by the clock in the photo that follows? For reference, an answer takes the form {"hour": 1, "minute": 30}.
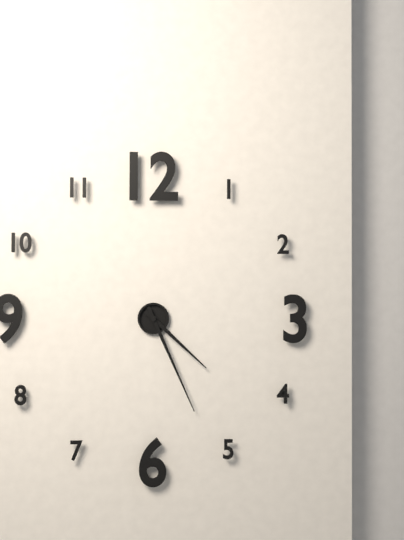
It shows {"hour": 4, "minute": 26}
